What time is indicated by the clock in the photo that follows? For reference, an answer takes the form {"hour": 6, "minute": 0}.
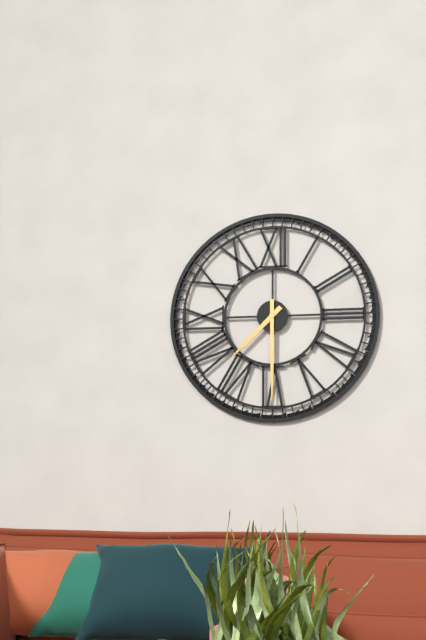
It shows {"hour": 7, "minute": 30}
